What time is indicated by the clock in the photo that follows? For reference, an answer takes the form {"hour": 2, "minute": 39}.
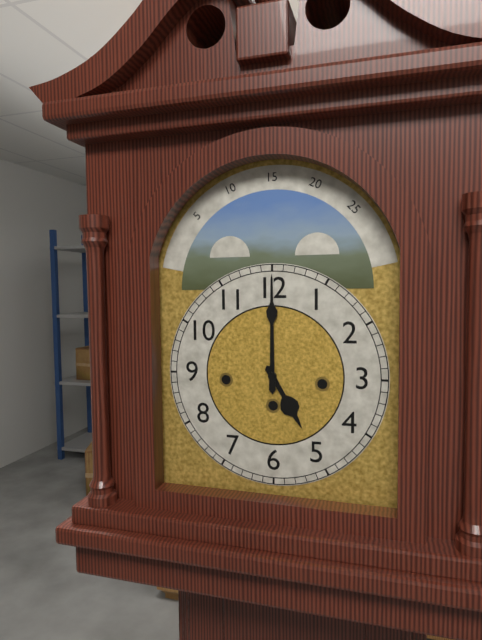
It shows {"hour": 5, "minute": 0}
